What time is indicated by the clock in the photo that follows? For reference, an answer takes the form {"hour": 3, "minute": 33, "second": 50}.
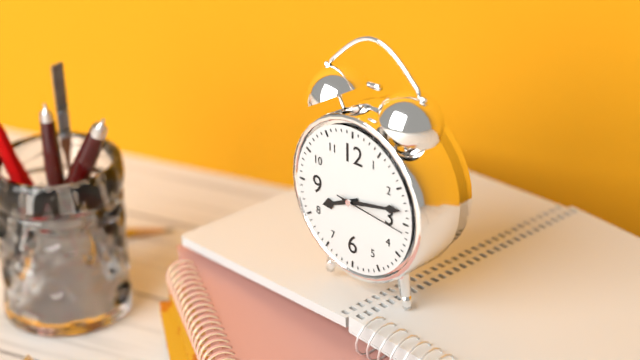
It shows {"hour": 8, "minute": 13, "second": 16}
